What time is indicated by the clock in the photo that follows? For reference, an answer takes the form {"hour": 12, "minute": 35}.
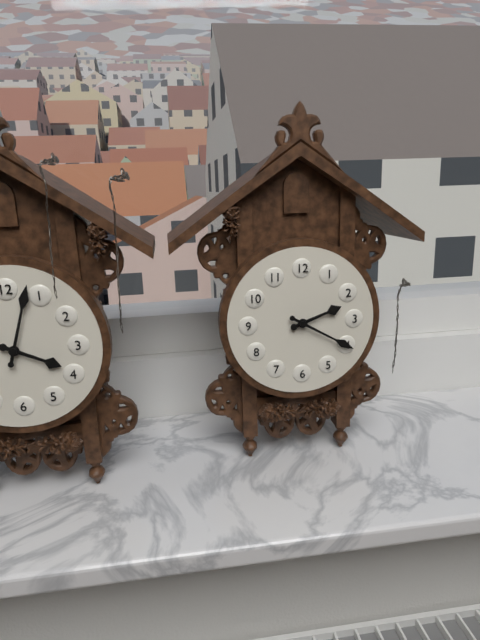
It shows {"hour": 2, "minute": 20}
